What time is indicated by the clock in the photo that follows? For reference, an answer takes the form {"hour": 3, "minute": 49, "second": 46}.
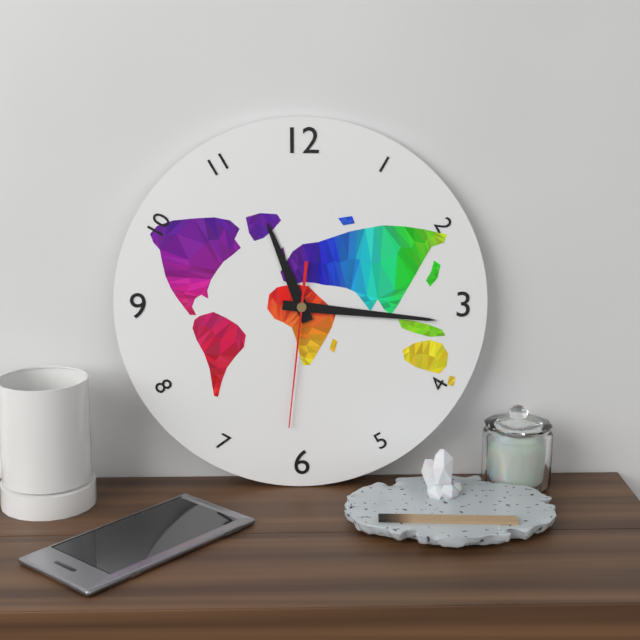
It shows {"hour": 11, "minute": 16, "second": 31}
